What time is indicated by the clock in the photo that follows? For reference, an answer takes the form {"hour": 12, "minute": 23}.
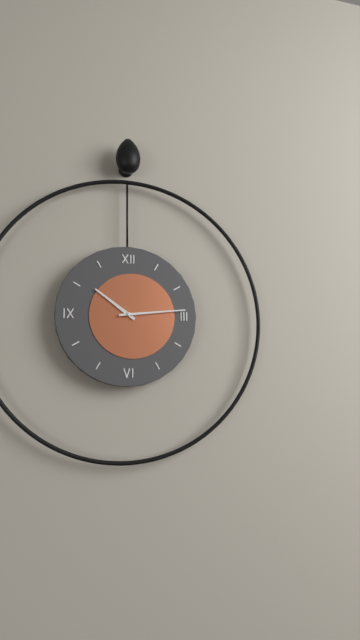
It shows {"hour": 10, "minute": 14}
